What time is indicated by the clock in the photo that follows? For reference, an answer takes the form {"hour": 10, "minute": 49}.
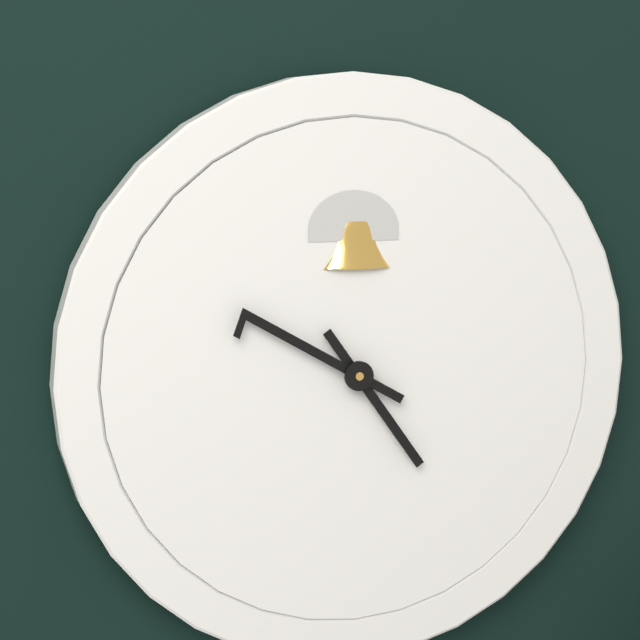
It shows {"hour": 4, "minute": 50}
